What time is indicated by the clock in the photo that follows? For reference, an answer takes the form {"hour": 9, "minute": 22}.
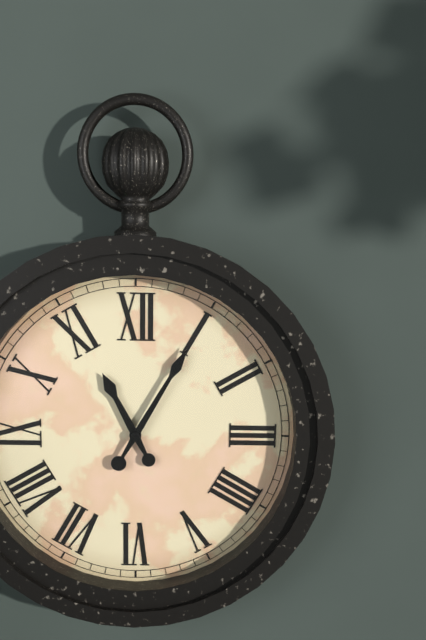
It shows {"hour": 11, "minute": 5}
